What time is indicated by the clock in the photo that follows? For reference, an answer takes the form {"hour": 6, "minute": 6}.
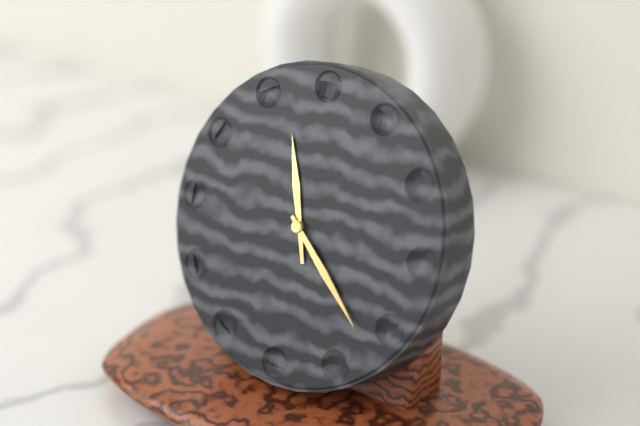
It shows {"hour": 11, "minute": 22}
